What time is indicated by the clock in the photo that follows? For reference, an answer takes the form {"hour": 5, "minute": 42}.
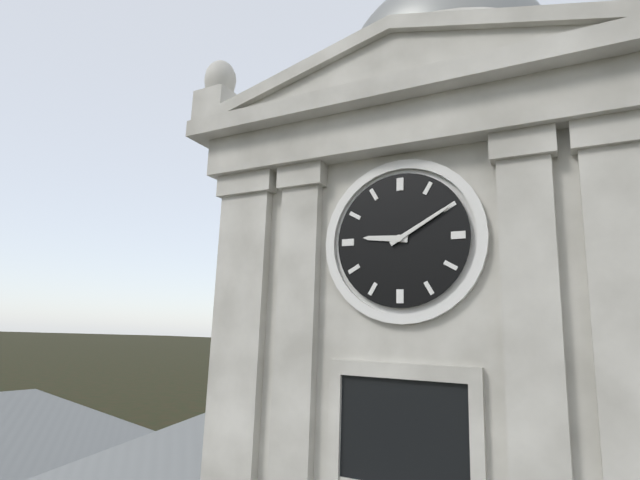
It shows {"hour": 9, "minute": 10}
